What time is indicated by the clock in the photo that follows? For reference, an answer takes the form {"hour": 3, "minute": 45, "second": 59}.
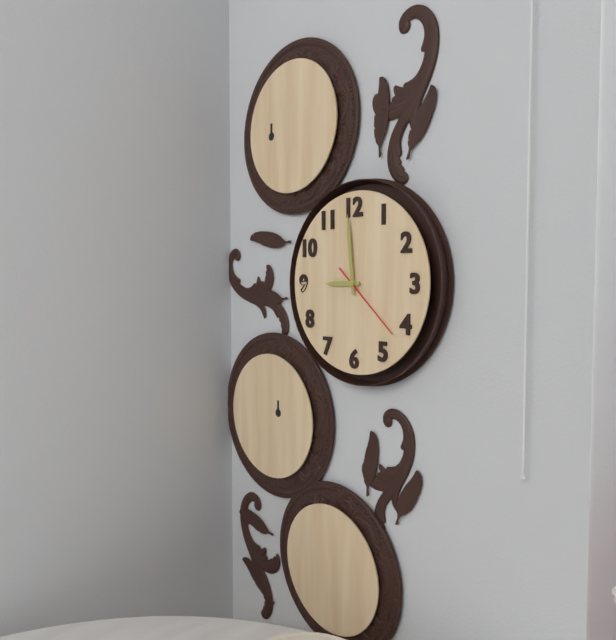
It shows {"hour": 8, "minute": 59, "second": 22}
